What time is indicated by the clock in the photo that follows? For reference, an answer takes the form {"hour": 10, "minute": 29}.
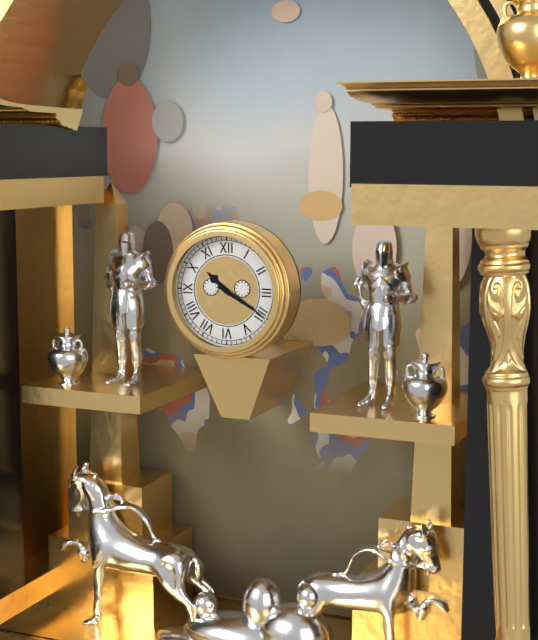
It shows {"hour": 10, "minute": 20}
